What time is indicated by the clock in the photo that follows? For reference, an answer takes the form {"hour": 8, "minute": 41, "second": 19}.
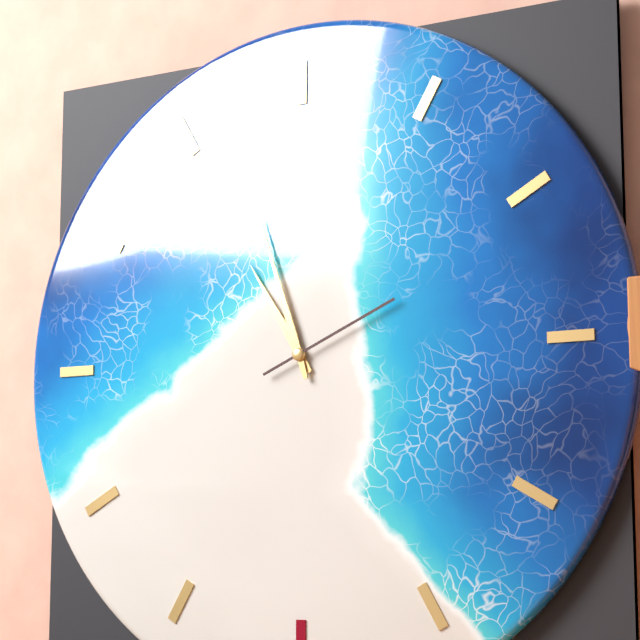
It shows {"hour": 10, "minute": 57, "second": 11}
